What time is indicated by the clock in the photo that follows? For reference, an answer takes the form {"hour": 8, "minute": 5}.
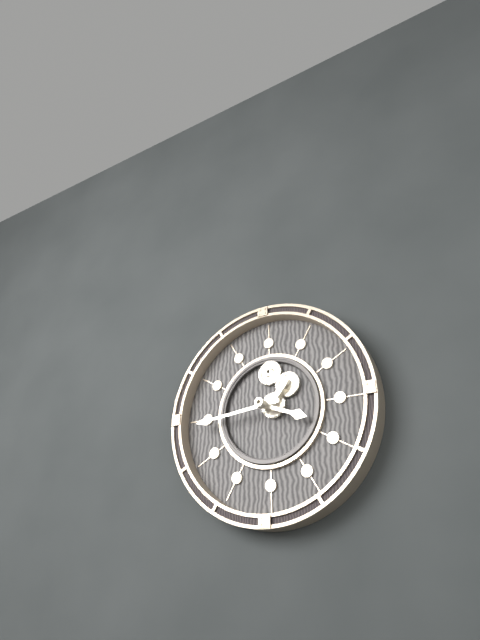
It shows {"hour": 3, "minute": 44}
